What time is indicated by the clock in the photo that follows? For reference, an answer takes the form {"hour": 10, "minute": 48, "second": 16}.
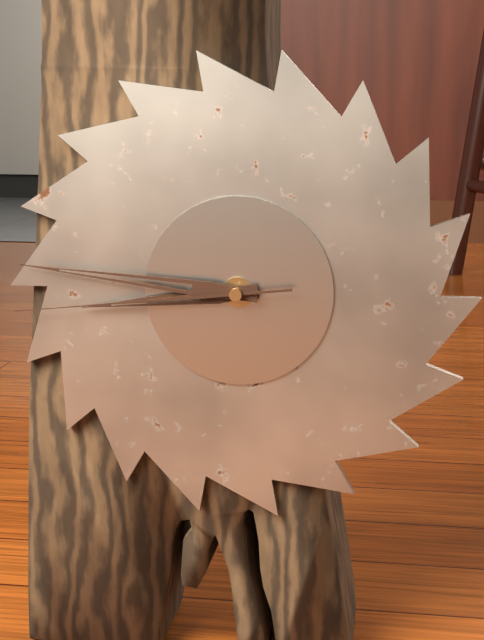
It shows {"hour": 8, "minute": 46, "second": 44}
